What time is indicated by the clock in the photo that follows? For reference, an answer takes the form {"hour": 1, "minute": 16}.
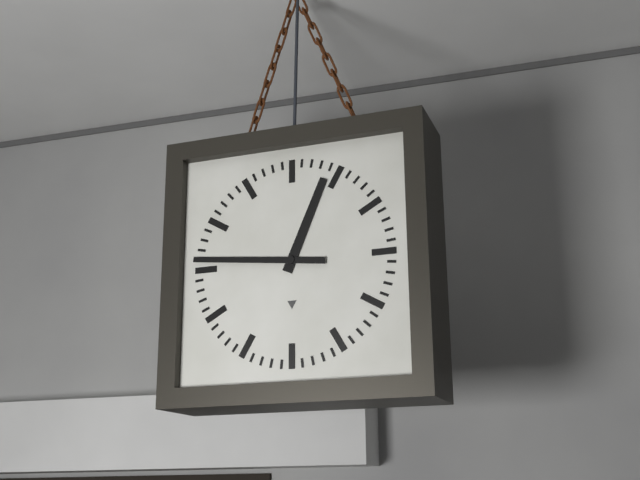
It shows {"hour": 12, "minute": 46}
